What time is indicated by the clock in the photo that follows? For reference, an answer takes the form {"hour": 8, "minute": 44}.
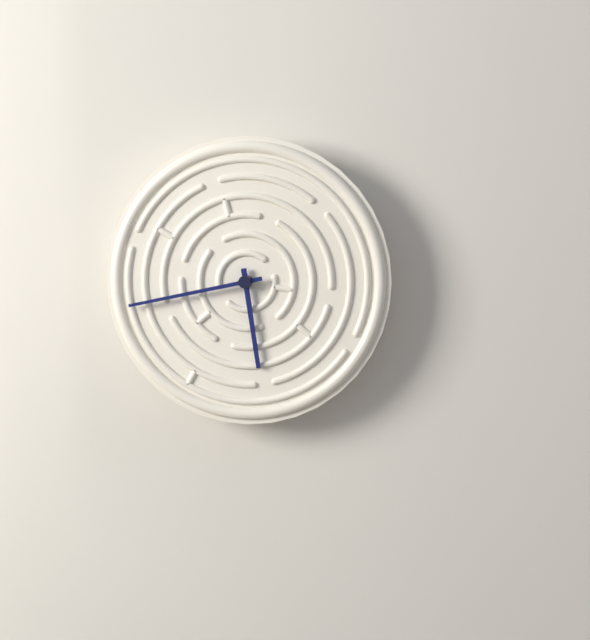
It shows {"hour": 5, "minute": 43}
